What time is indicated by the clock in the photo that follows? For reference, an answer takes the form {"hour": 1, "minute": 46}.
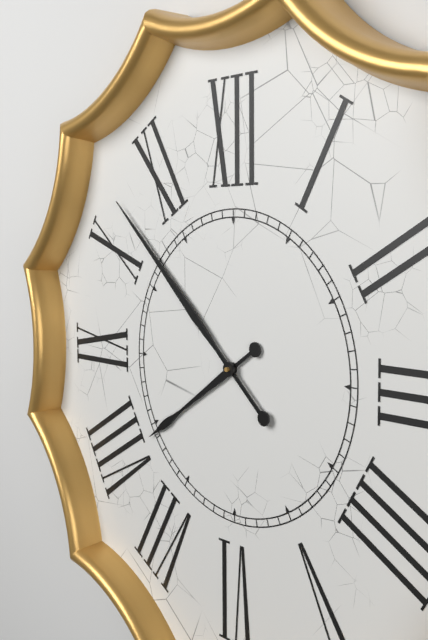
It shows {"hour": 7, "minute": 52}
